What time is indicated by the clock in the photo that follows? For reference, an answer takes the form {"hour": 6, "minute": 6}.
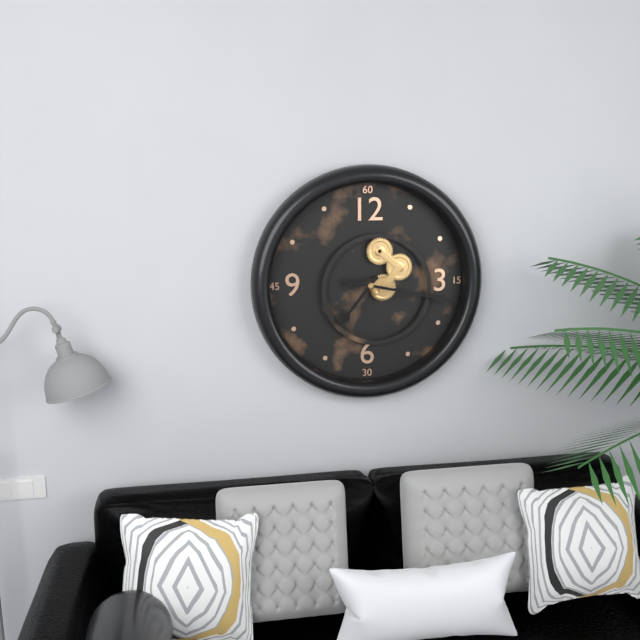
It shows {"hour": 7, "minute": 17}
